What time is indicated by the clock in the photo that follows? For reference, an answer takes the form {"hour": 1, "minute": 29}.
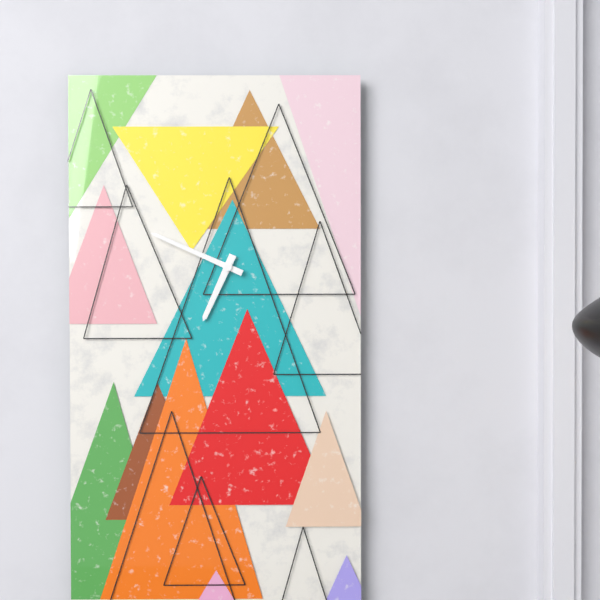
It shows {"hour": 6, "minute": 49}
